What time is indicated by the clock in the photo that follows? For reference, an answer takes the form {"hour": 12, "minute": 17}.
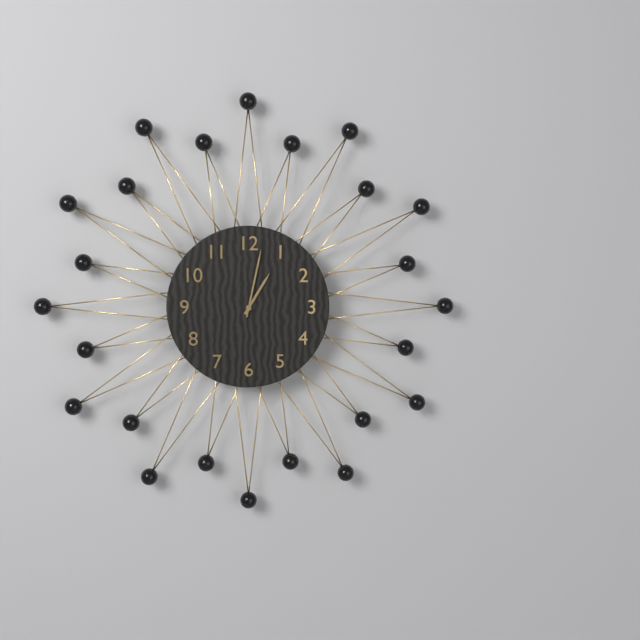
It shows {"hour": 1, "minute": 2}
